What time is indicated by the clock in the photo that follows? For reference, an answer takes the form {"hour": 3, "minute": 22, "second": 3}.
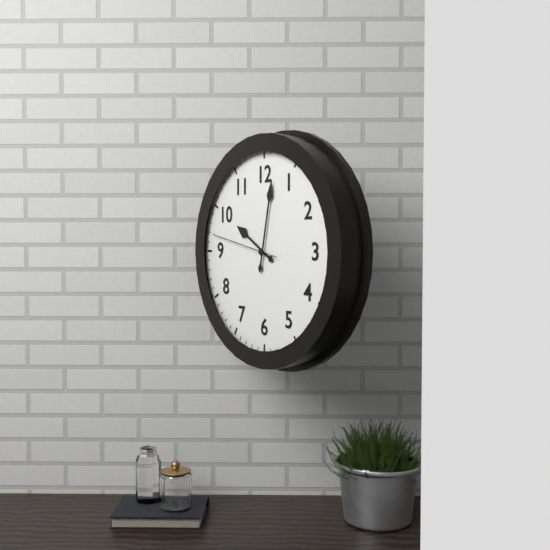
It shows {"hour": 10, "minute": 2, "second": 47}
